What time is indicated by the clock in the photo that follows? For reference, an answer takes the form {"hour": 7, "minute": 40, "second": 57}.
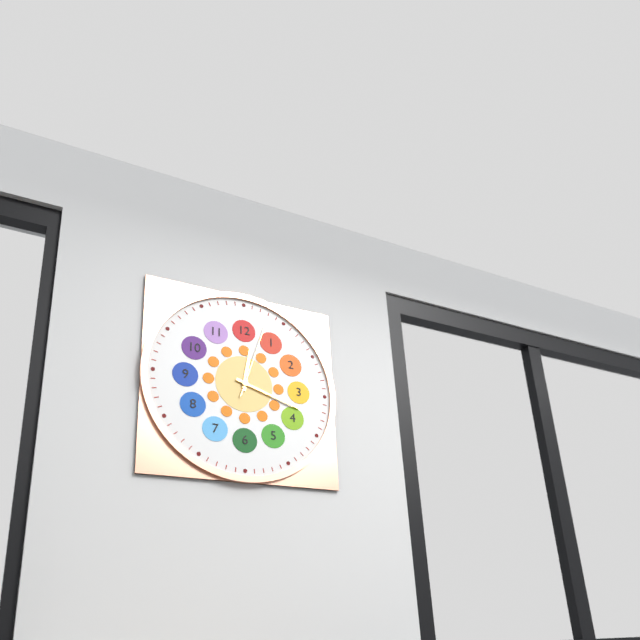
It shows {"hour": 12, "minute": 18, "second": 3}
